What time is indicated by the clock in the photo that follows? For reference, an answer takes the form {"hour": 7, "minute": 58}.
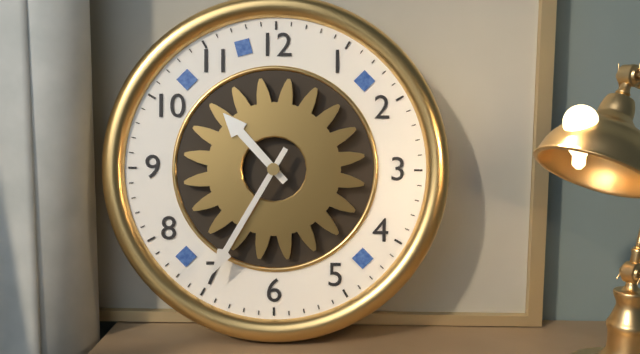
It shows {"hour": 10, "minute": 35}
